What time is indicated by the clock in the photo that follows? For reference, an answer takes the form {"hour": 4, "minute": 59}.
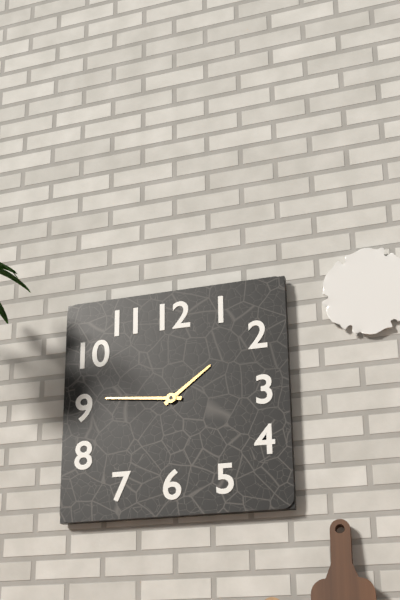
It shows {"hour": 1, "minute": 46}
